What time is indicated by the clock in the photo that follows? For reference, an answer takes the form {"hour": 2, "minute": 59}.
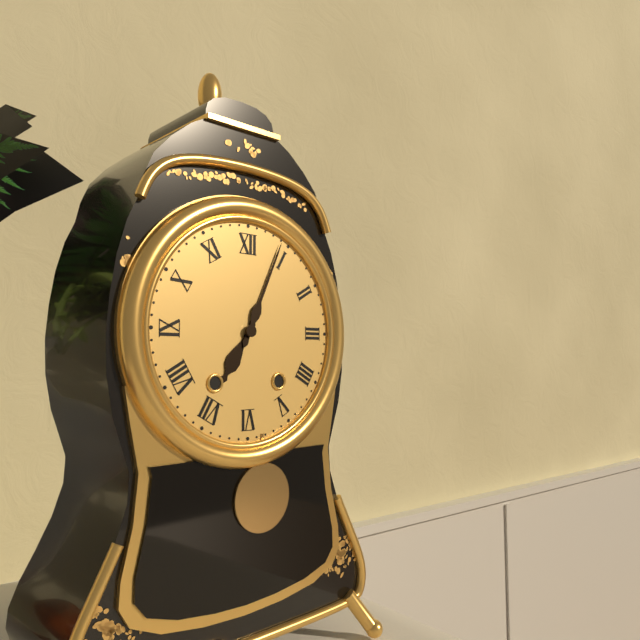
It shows {"hour": 7, "minute": 4}
